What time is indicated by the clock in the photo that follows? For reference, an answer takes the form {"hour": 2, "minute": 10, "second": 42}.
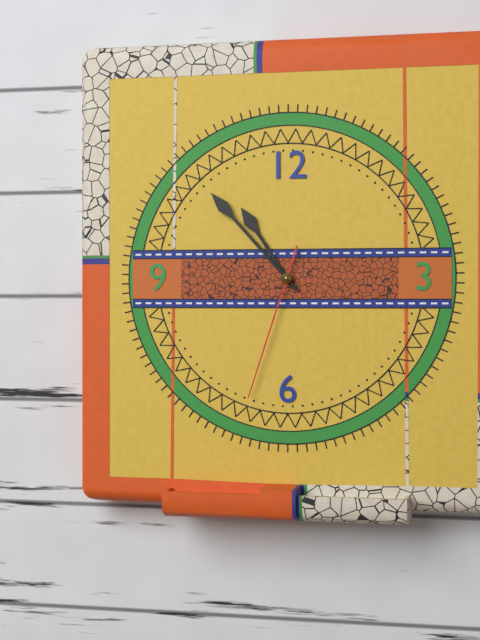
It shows {"hour": 10, "minute": 53, "second": 33}
